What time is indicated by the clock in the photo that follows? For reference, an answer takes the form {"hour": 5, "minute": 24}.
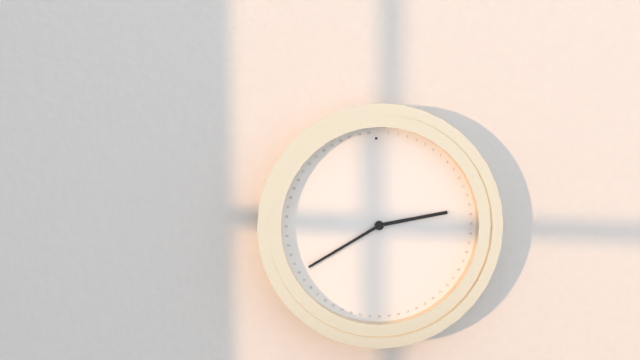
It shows {"hour": 2, "minute": 40}
